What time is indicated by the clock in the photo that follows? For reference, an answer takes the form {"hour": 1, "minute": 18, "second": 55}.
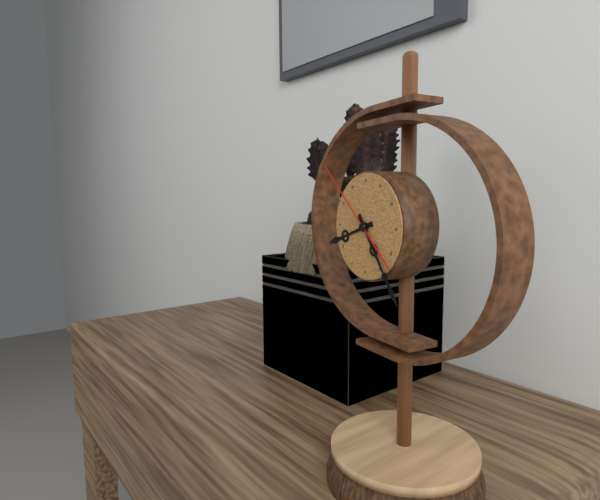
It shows {"hour": 8, "minute": 24, "second": 52}
